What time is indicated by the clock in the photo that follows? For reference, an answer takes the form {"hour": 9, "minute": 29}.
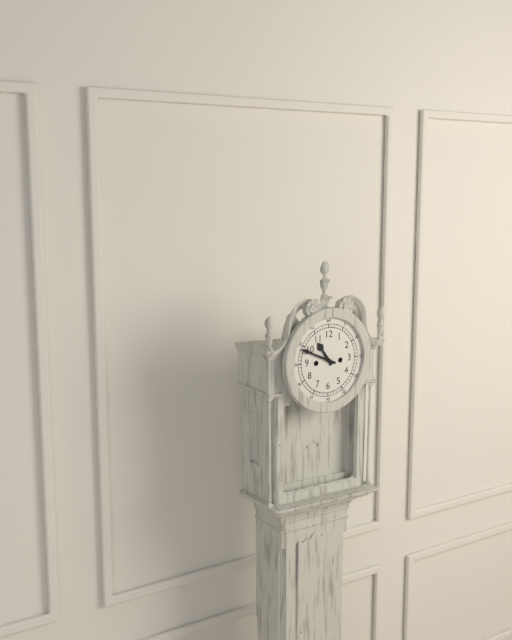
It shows {"hour": 10, "minute": 49}
